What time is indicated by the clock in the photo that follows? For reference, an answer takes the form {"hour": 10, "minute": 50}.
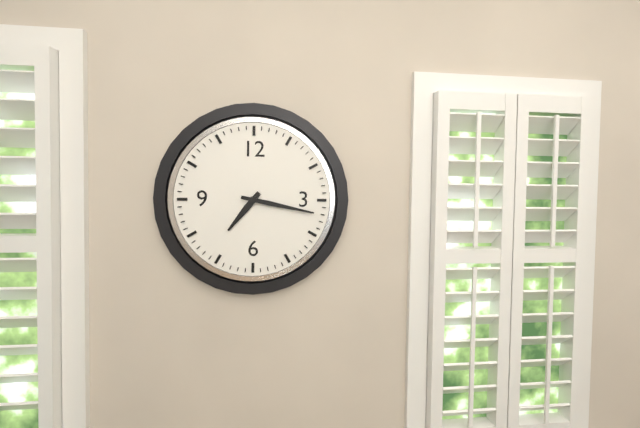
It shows {"hour": 7, "minute": 17}
